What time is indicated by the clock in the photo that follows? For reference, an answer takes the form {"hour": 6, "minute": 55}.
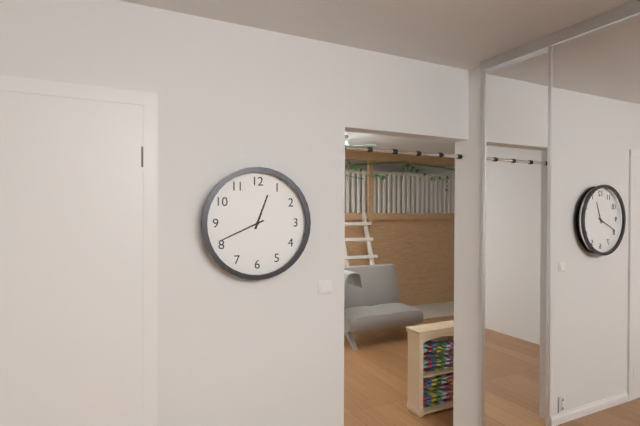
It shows {"hour": 12, "minute": 41}
